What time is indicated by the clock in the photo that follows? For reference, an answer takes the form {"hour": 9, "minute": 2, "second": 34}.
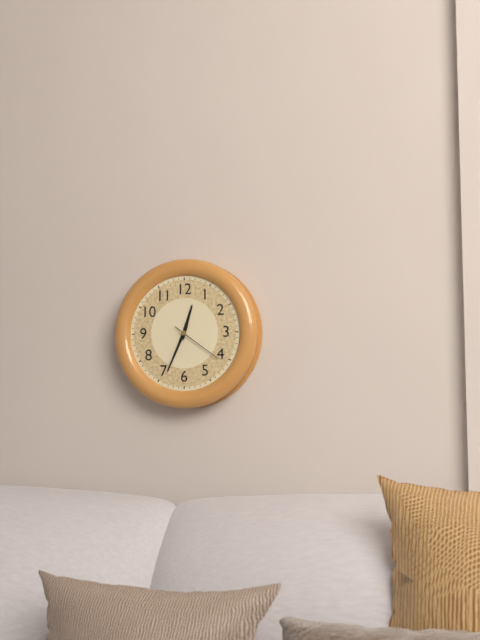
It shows {"hour": 12, "minute": 34, "second": 21}
